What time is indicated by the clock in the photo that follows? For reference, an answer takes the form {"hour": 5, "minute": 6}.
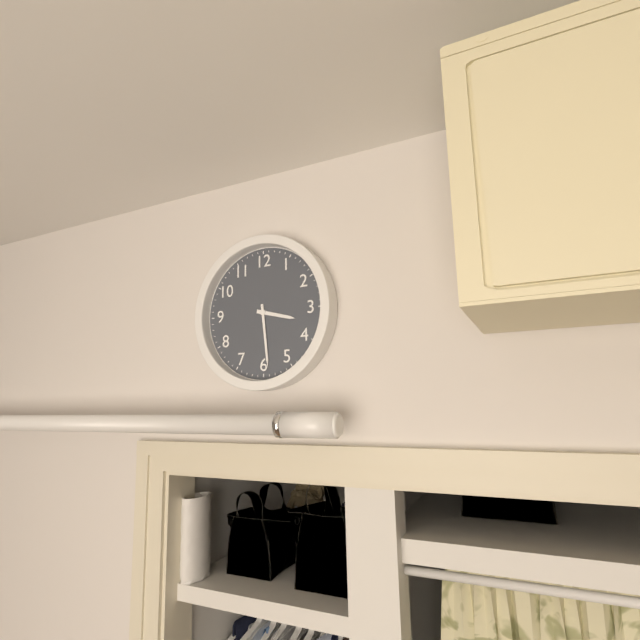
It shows {"hour": 3, "minute": 29}
